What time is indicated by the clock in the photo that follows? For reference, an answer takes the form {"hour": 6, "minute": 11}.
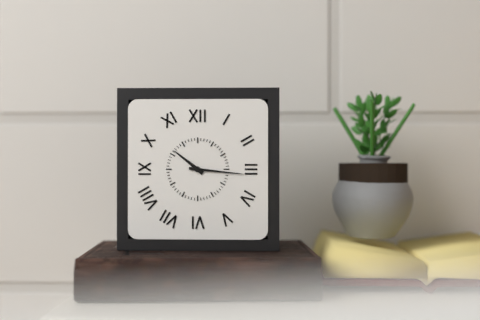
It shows {"hour": 10, "minute": 16}
